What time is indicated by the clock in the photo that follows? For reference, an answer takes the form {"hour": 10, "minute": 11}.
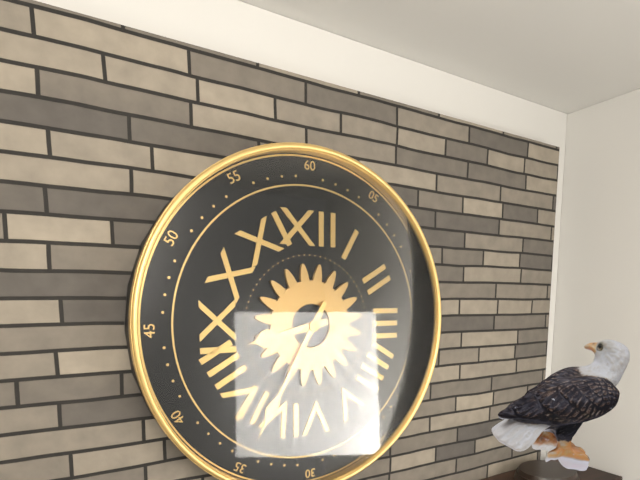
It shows {"hour": 8, "minute": 35}
